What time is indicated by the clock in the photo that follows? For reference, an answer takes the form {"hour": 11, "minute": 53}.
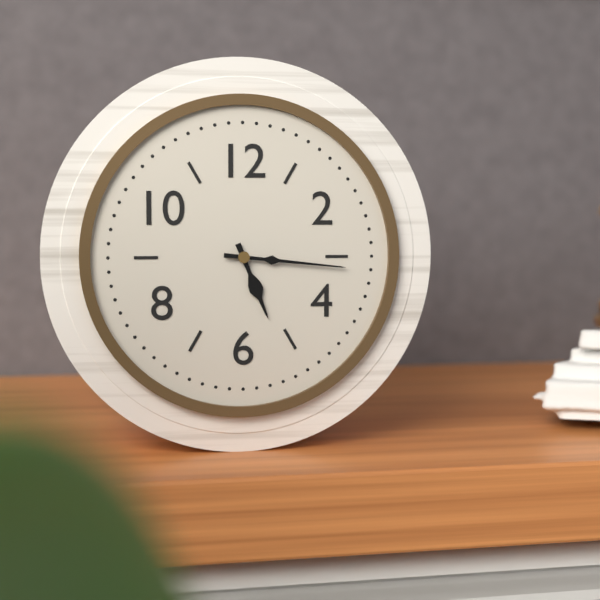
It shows {"hour": 5, "minute": 16}
